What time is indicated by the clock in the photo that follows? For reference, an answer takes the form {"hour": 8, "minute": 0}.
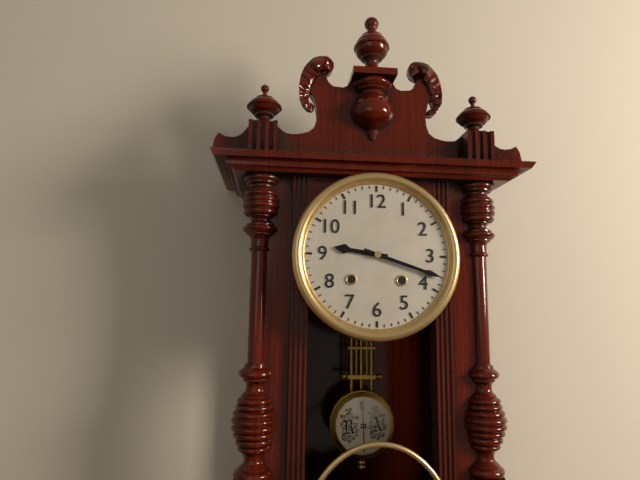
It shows {"hour": 9, "minute": 18}
